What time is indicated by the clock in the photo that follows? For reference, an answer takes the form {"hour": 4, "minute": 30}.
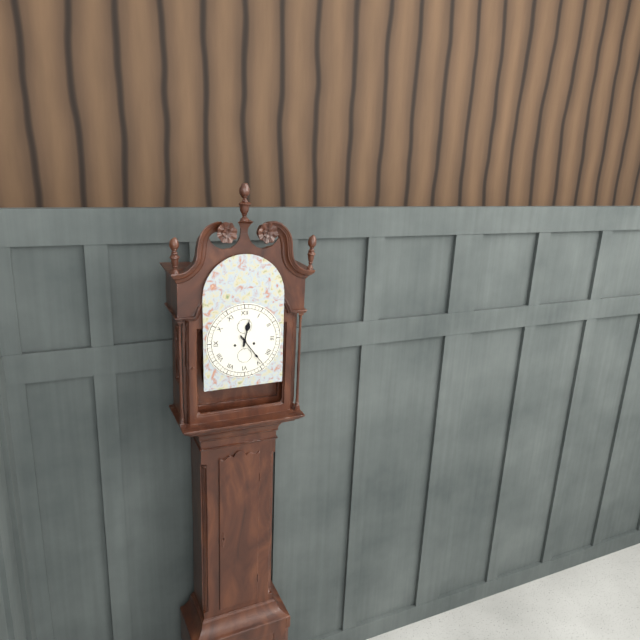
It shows {"hour": 12, "minute": 24}
